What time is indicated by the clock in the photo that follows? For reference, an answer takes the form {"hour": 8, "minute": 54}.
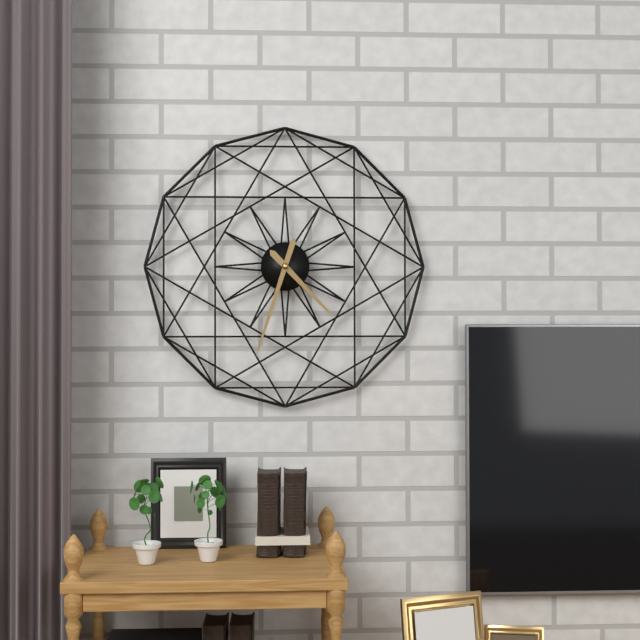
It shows {"hour": 4, "minute": 33}
